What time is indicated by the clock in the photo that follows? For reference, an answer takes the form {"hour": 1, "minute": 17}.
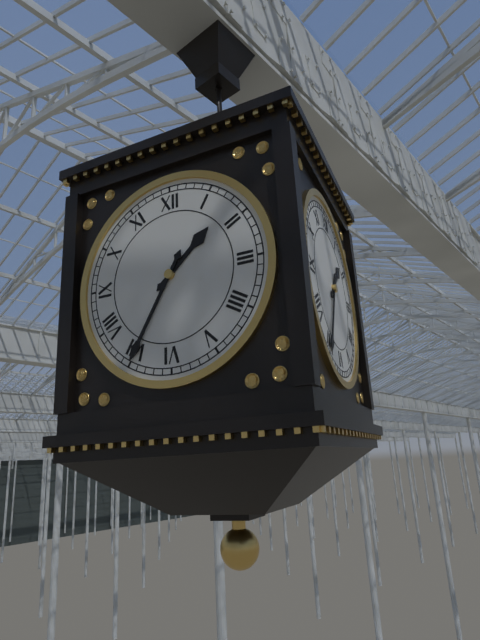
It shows {"hour": 1, "minute": 35}
